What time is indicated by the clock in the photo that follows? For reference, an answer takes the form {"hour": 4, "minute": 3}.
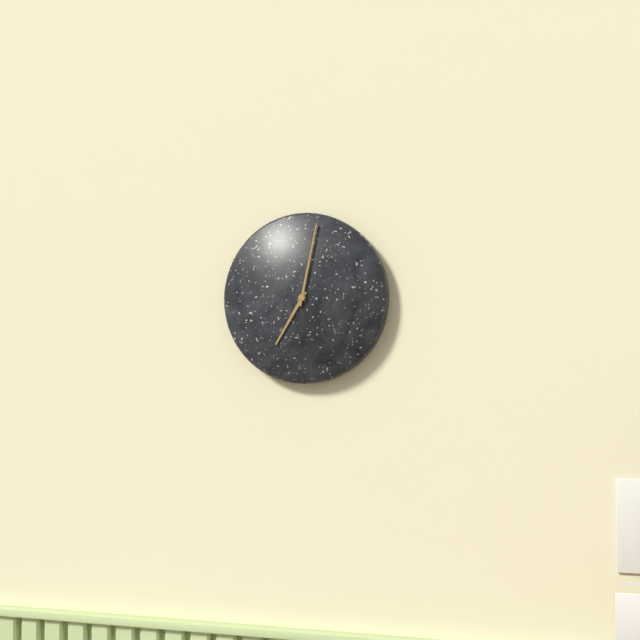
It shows {"hour": 7, "minute": 2}
